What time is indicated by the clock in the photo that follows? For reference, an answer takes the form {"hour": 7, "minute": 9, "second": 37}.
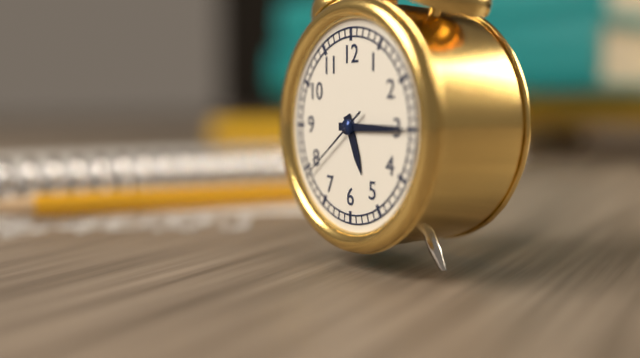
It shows {"hour": 5, "minute": 15, "second": 39}
